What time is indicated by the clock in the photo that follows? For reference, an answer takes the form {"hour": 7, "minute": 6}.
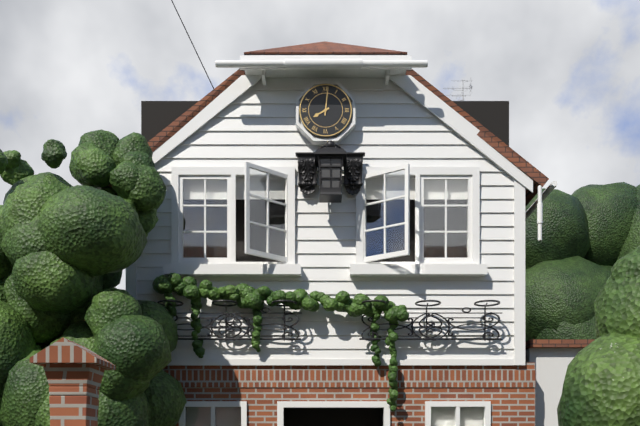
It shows {"hour": 8, "minute": 1}
